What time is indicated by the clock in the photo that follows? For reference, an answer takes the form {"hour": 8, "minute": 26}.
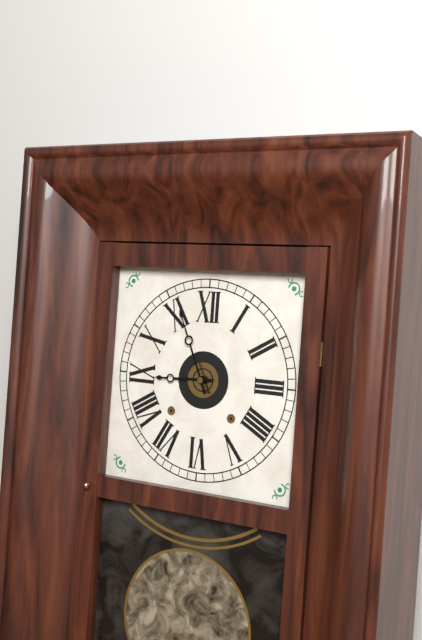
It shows {"hour": 8, "minute": 56}
